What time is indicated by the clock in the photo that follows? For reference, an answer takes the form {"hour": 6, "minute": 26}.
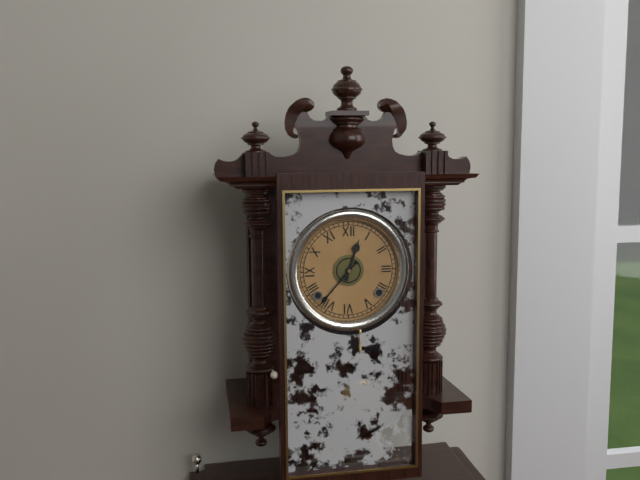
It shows {"hour": 12, "minute": 37}
